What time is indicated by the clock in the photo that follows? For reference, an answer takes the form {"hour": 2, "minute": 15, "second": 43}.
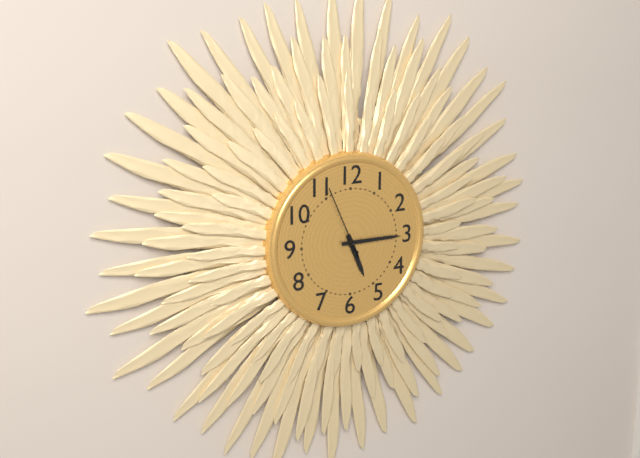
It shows {"hour": 5, "minute": 15, "second": 56}
